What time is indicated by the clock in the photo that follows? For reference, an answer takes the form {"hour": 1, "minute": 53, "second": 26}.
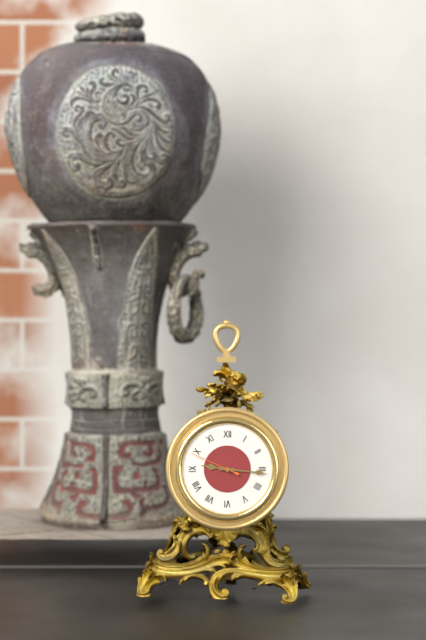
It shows {"hour": 9, "minute": 16, "second": 49}
